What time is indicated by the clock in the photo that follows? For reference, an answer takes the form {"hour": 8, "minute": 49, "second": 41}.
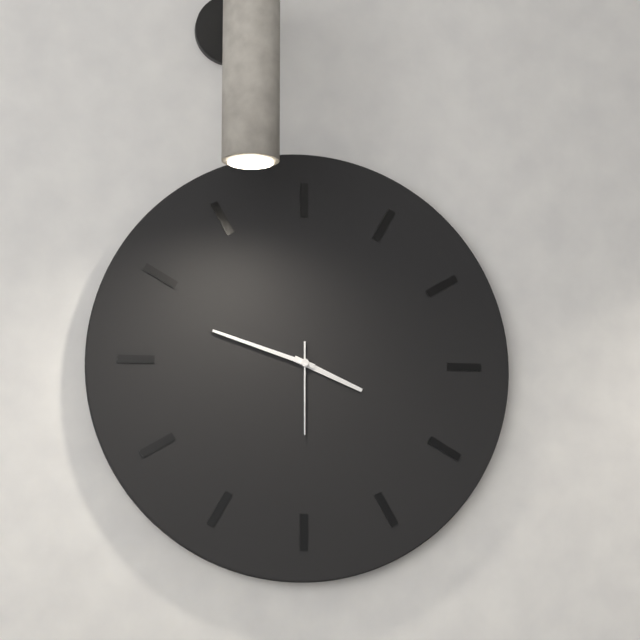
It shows {"hour": 3, "minute": 48, "second": 30}
